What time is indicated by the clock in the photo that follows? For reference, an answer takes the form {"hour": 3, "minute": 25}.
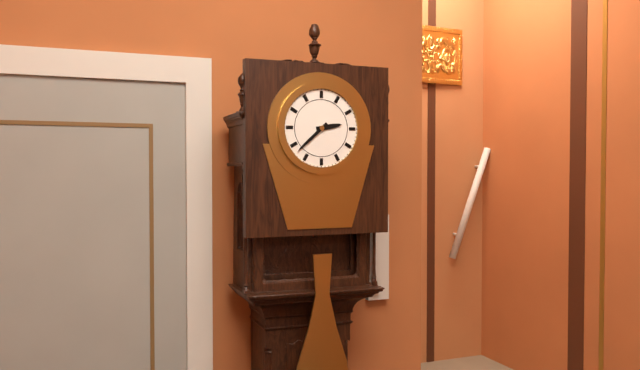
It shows {"hour": 2, "minute": 38}
